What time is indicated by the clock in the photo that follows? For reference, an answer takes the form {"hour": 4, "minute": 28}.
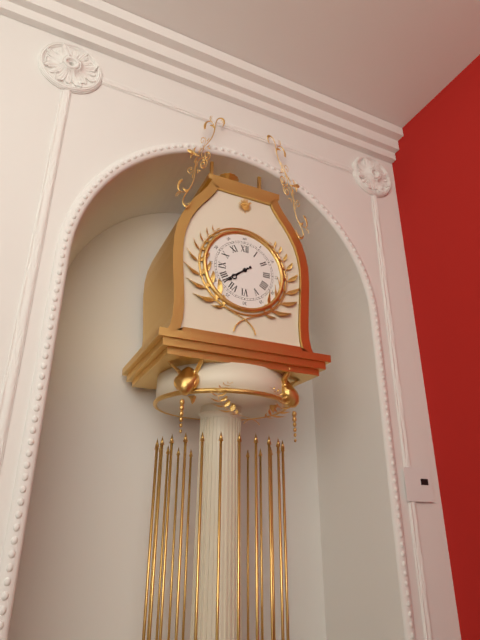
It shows {"hour": 7, "minute": 39}
